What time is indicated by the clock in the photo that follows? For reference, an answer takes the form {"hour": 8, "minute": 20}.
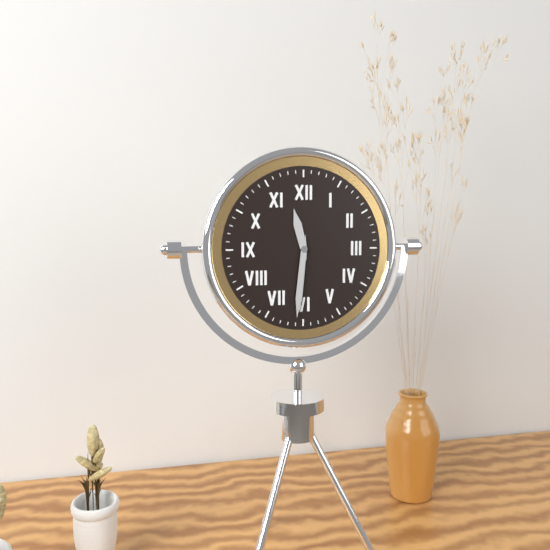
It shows {"hour": 11, "minute": 31}
